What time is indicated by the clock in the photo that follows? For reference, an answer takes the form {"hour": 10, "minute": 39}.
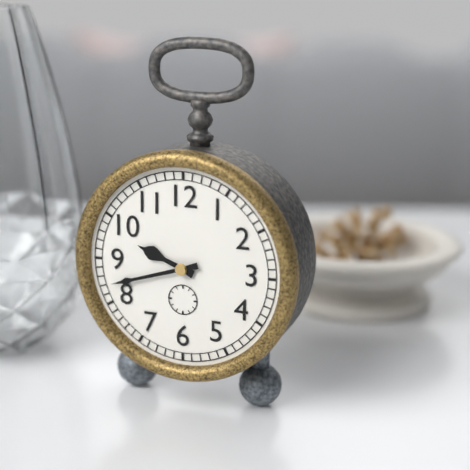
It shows {"hour": 9, "minute": 42}
